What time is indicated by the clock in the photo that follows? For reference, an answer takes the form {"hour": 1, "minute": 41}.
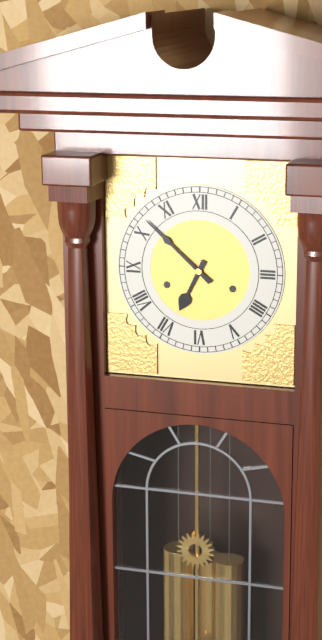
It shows {"hour": 6, "minute": 52}
